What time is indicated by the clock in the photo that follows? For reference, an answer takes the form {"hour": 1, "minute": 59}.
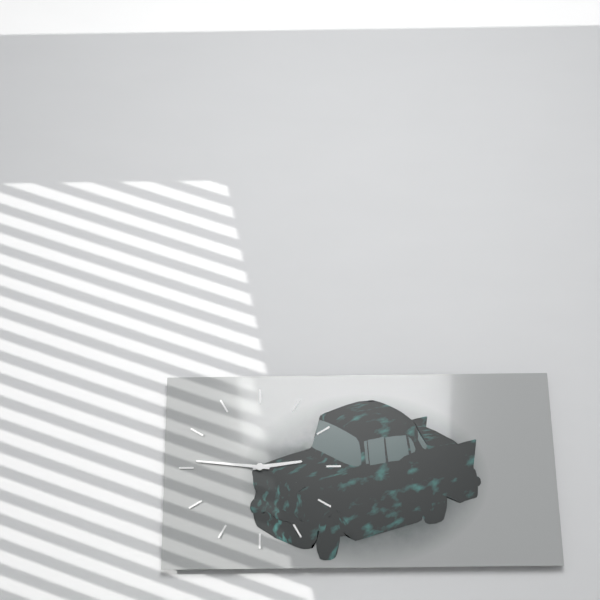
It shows {"hour": 2, "minute": 46}
